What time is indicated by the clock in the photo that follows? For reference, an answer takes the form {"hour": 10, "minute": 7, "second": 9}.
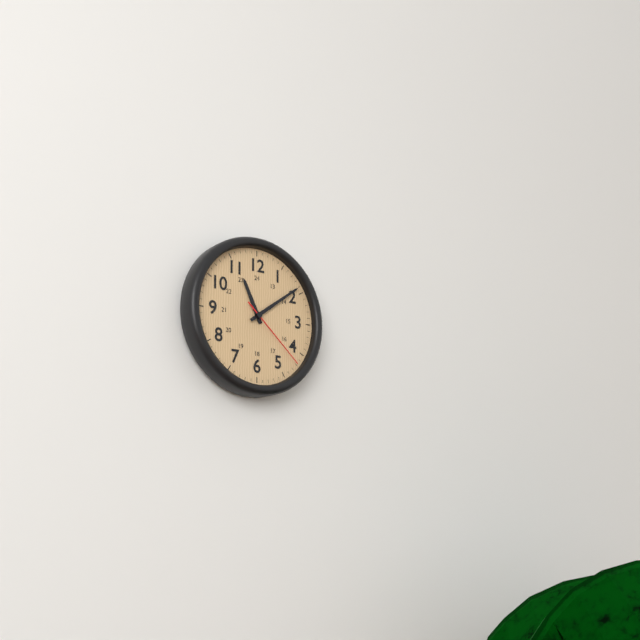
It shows {"hour": 11, "minute": 9, "second": 22}
